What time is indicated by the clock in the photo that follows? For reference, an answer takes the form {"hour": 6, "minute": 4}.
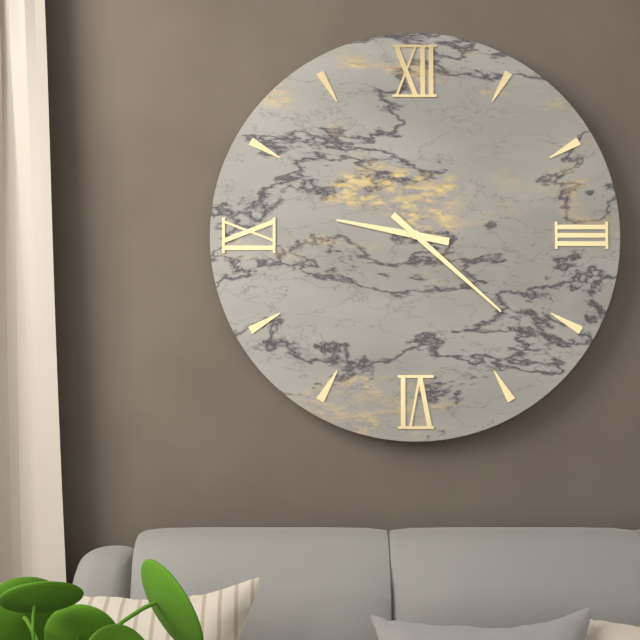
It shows {"hour": 9, "minute": 22}
